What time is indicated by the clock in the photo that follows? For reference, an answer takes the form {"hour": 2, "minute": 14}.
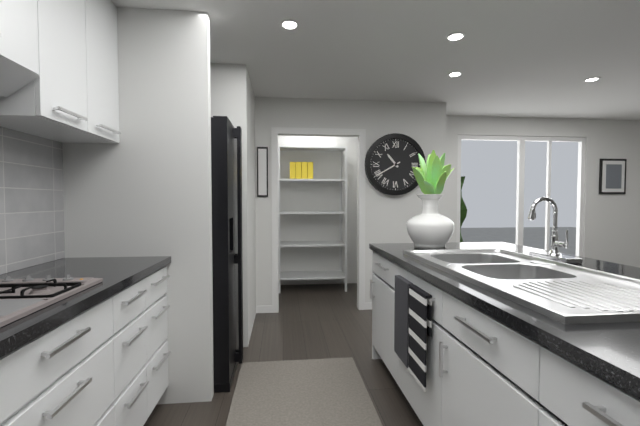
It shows {"hour": 10, "minute": 40}
